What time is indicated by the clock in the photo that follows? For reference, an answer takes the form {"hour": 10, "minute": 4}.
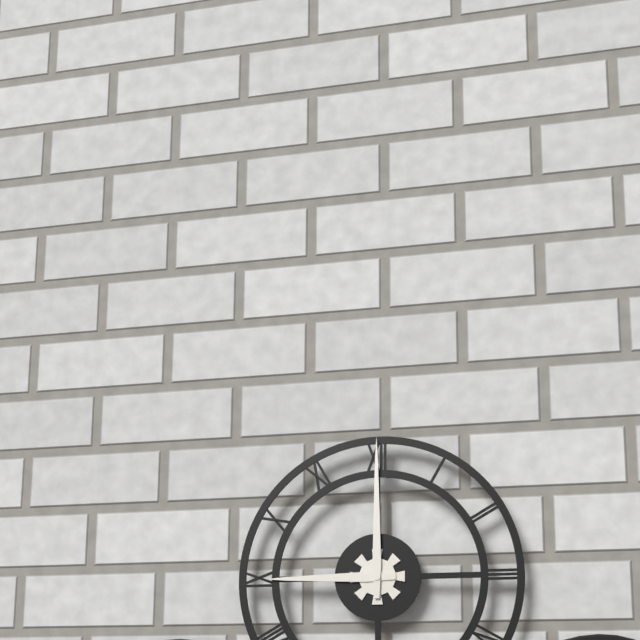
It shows {"hour": 9, "minute": 0}
